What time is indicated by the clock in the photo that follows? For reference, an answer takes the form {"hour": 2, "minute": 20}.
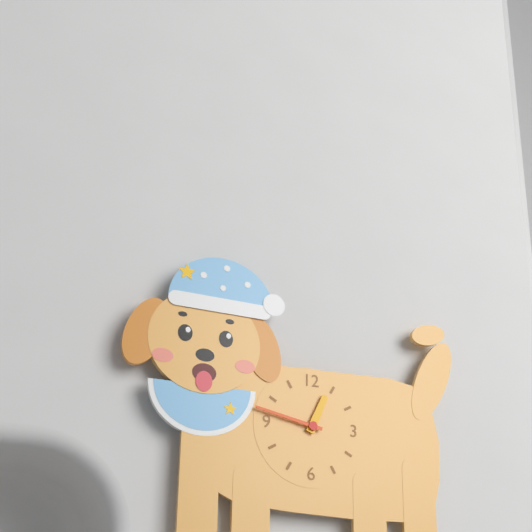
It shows {"hour": 12, "minute": 47}
